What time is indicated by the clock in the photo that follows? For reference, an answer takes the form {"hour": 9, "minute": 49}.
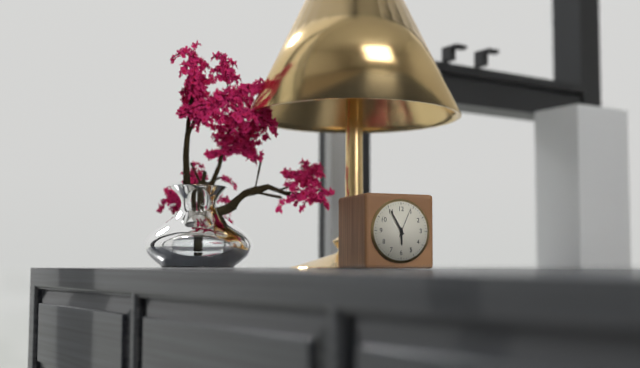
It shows {"hour": 5, "minute": 55}
